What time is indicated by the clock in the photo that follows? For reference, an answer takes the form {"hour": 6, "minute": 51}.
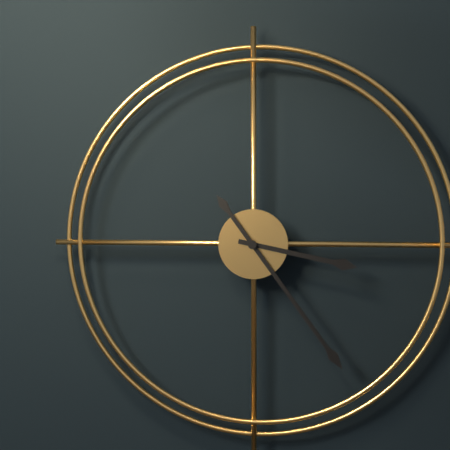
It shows {"hour": 3, "minute": 24}
